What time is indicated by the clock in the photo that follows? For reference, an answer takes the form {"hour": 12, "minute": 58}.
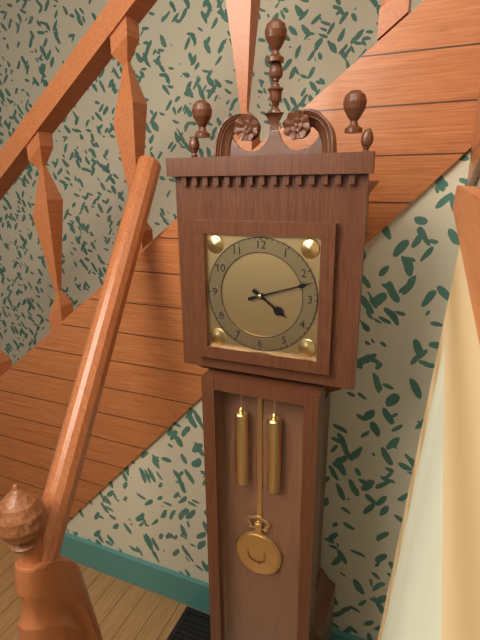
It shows {"hour": 4, "minute": 12}
